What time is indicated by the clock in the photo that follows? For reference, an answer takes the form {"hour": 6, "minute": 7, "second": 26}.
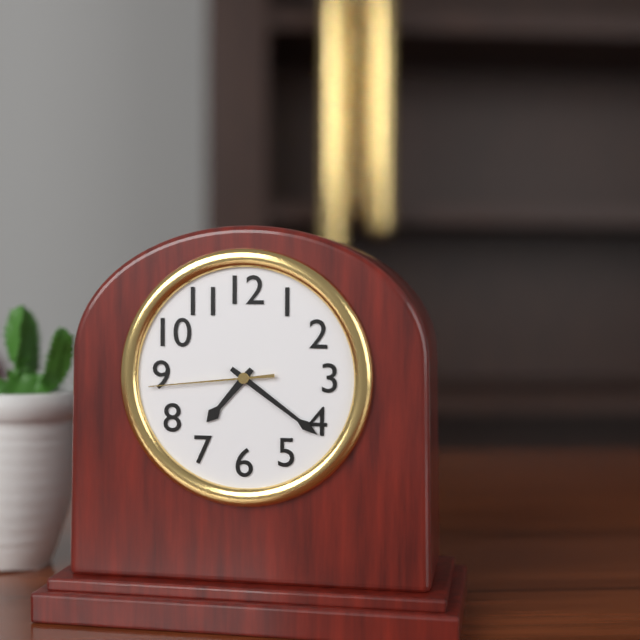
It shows {"hour": 7, "minute": 21, "second": 44}
